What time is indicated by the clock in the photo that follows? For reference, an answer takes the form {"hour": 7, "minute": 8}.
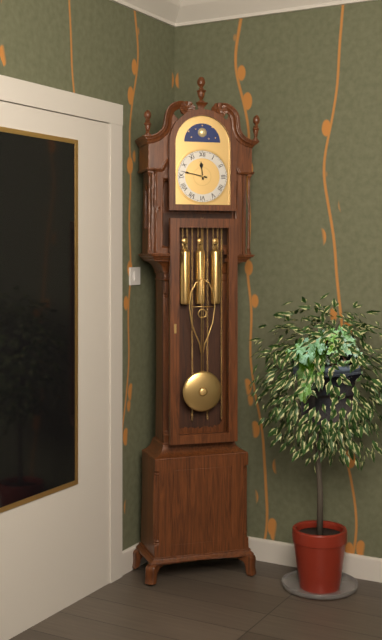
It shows {"hour": 11, "minute": 47}
